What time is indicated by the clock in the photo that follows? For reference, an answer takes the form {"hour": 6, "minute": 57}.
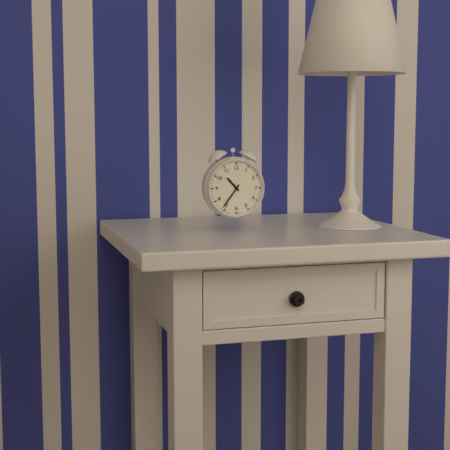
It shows {"hour": 10, "minute": 36}
